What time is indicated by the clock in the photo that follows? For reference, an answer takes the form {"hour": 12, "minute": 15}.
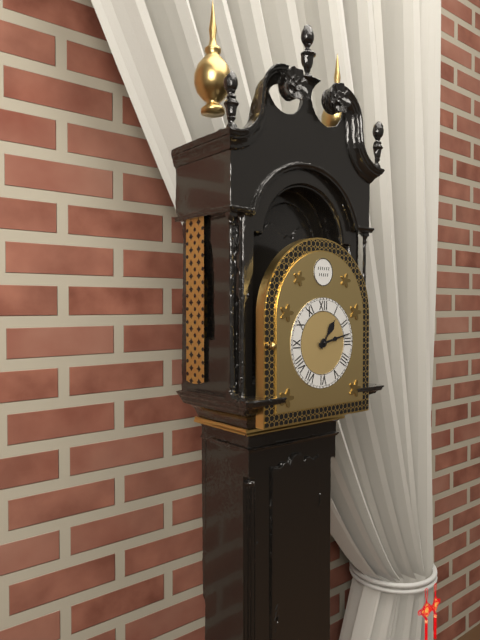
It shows {"hour": 1, "minute": 13}
